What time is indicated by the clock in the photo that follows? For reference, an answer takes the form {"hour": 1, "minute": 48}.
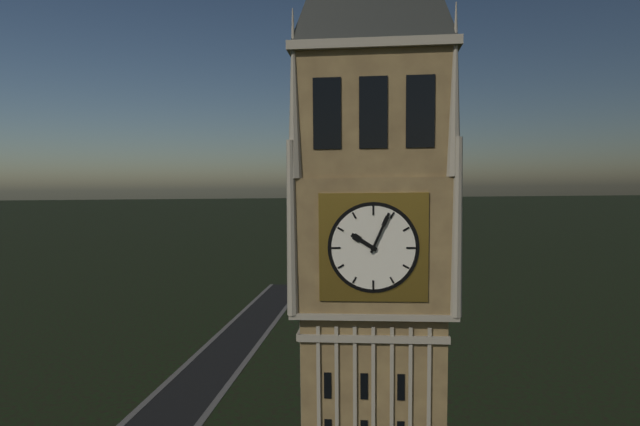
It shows {"hour": 10, "minute": 4}
